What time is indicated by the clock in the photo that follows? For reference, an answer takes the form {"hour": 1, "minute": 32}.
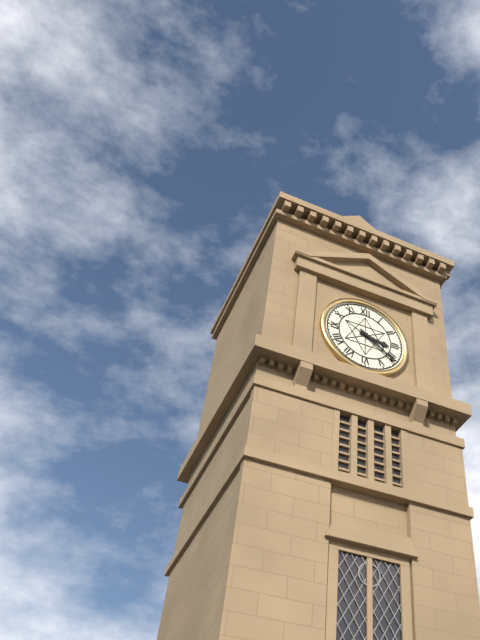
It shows {"hour": 3, "minute": 21}
